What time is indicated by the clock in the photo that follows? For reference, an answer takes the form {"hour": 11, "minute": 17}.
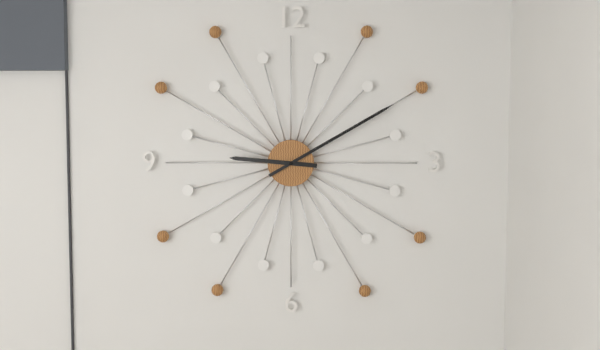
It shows {"hour": 9, "minute": 10}
